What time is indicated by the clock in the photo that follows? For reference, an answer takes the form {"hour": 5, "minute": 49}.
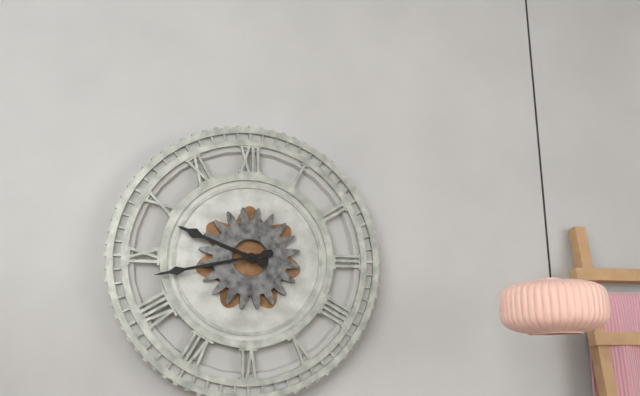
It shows {"hour": 9, "minute": 43}
